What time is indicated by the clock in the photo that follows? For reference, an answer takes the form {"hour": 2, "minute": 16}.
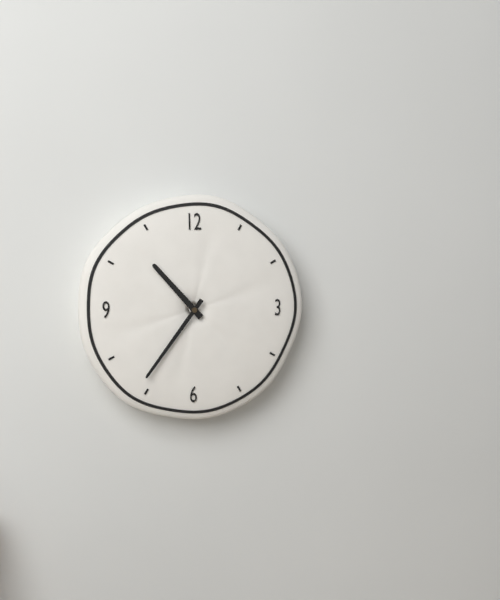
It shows {"hour": 10, "minute": 36}
